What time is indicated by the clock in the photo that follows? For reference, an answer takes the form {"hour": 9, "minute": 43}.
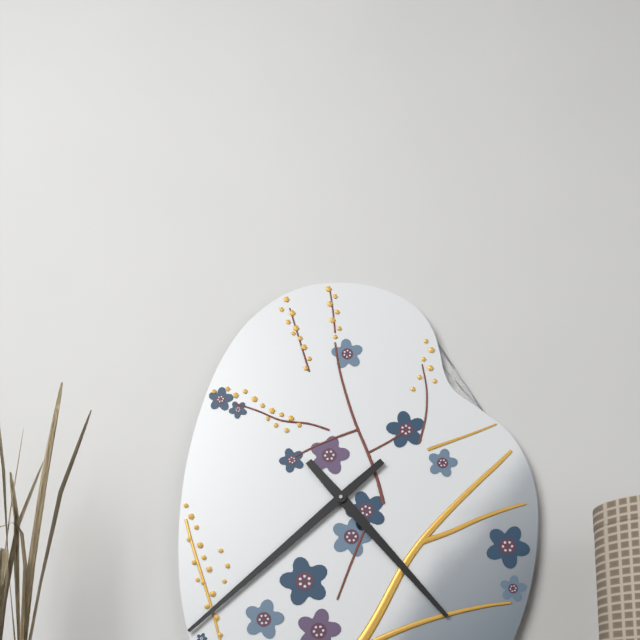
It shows {"hour": 4, "minute": 38}
